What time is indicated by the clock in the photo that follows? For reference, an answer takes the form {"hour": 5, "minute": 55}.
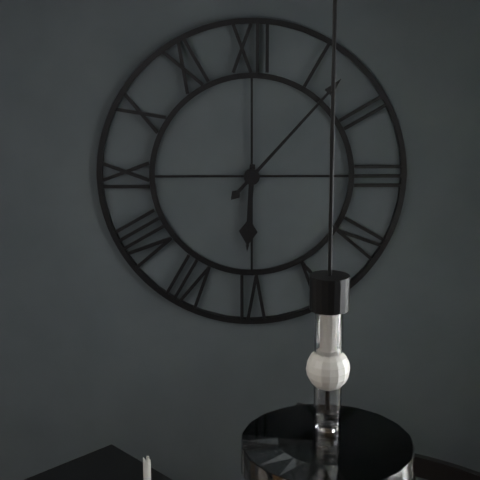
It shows {"hour": 6, "minute": 7}
